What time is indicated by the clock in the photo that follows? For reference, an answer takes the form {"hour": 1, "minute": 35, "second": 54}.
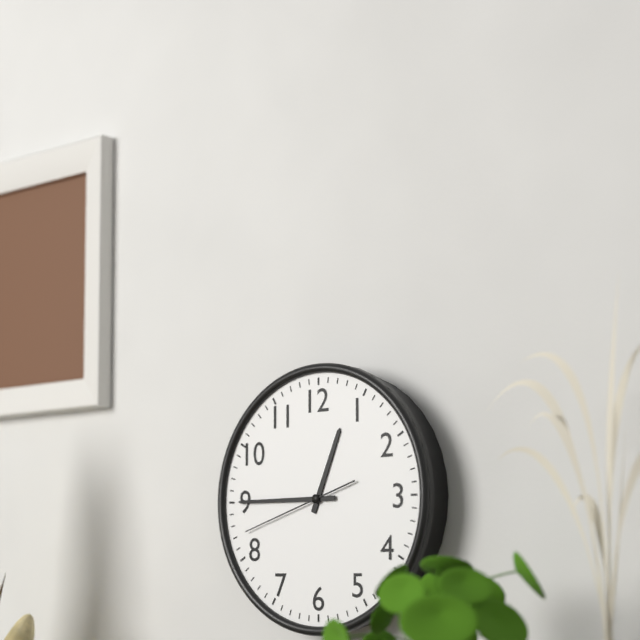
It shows {"hour": 12, "minute": 45, "second": 42}
